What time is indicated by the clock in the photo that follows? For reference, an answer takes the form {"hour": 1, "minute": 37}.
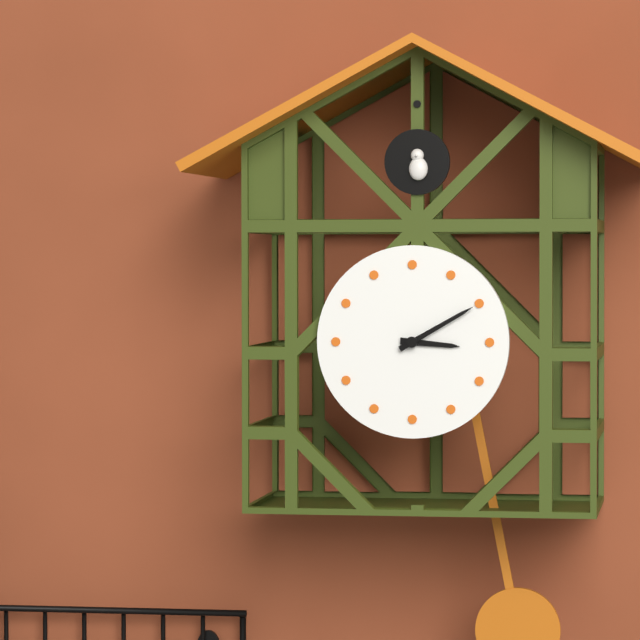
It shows {"hour": 3, "minute": 10}
